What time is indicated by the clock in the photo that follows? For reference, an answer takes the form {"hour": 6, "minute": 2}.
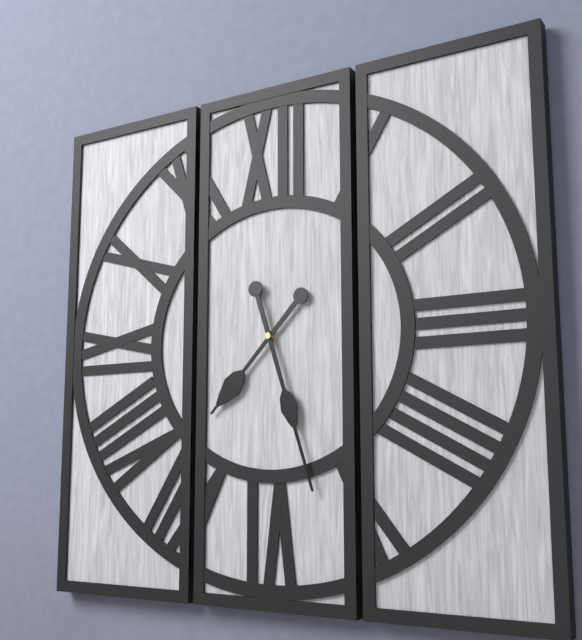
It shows {"hour": 7, "minute": 27}
